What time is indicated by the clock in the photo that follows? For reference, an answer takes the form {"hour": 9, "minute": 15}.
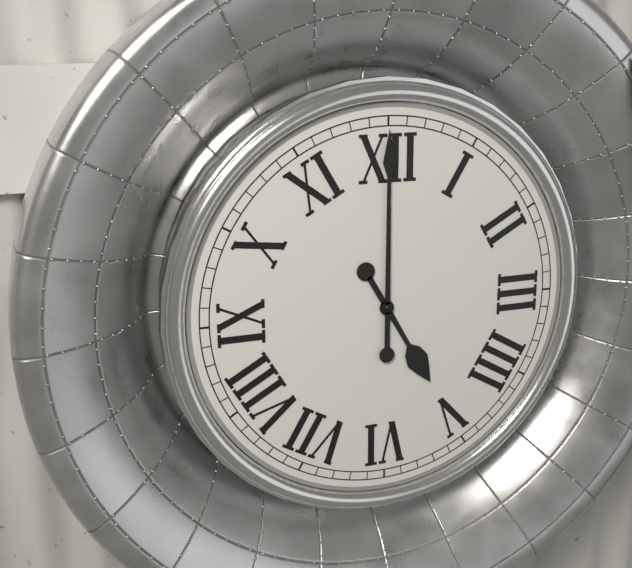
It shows {"hour": 5, "minute": 0}
